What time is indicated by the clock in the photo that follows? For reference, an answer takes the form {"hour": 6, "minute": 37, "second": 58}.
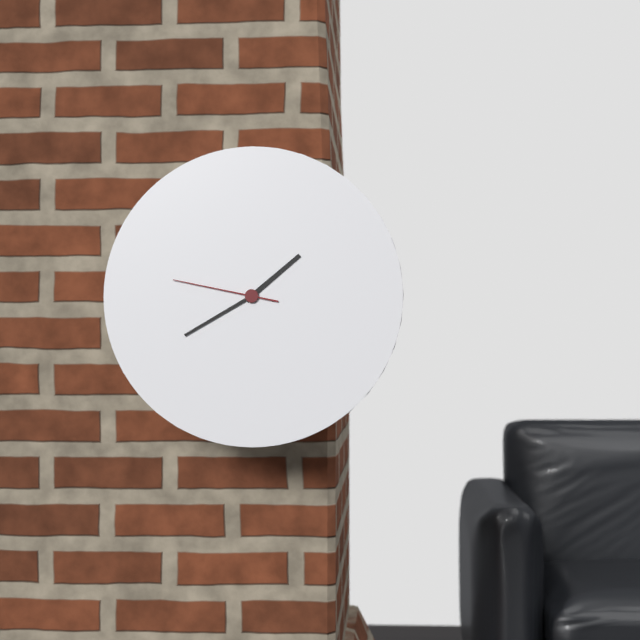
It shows {"hour": 1, "minute": 40, "second": 47}
